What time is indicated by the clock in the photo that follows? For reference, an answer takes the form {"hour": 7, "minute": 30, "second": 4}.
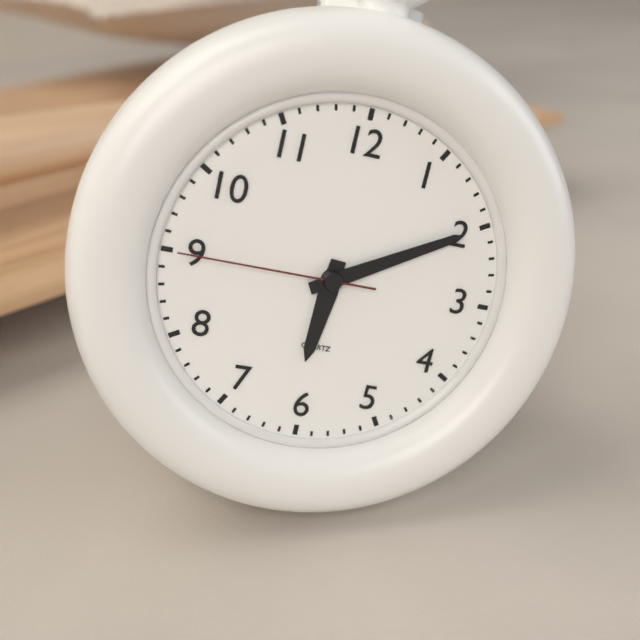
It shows {"hour": 6, "minute": 10, "second": 45}
